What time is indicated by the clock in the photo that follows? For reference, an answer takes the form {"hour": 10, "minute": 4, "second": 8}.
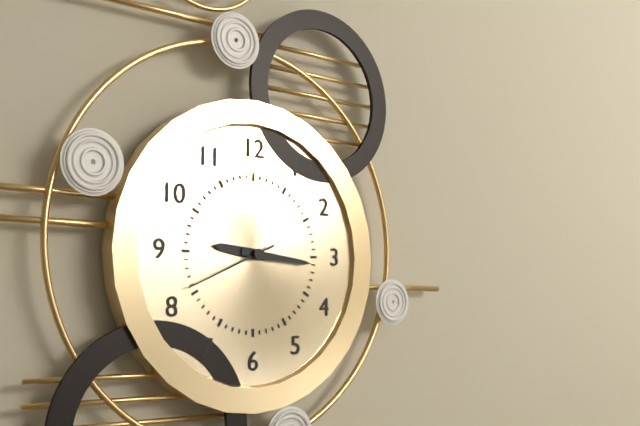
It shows {"hour": 9, "minute": 16, "second": 41}
